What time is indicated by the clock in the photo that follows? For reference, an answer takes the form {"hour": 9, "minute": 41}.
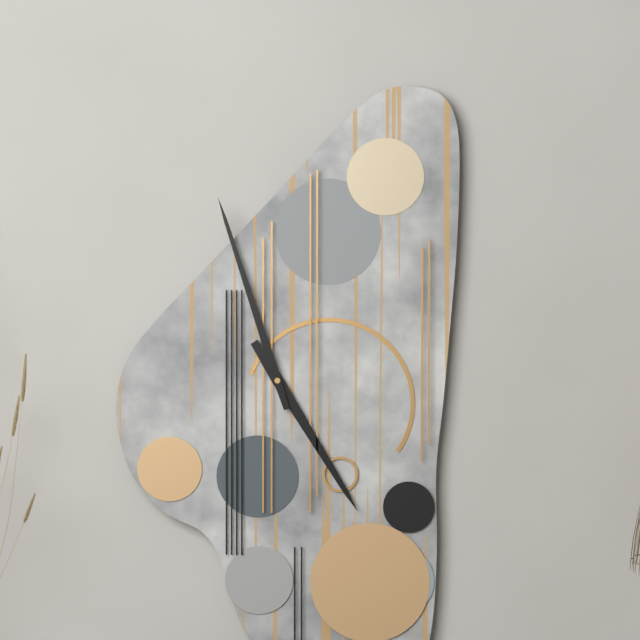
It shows {"hour": 4, "minute": 57}
